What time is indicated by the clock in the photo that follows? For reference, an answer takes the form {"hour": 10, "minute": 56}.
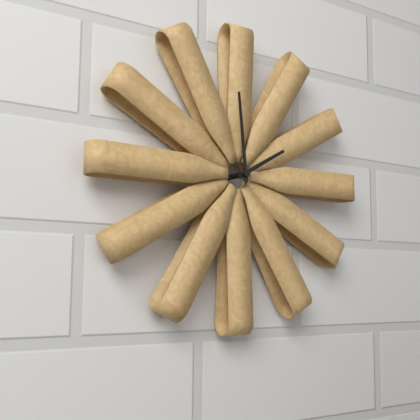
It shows {"hour": 1, "minute": 59}
